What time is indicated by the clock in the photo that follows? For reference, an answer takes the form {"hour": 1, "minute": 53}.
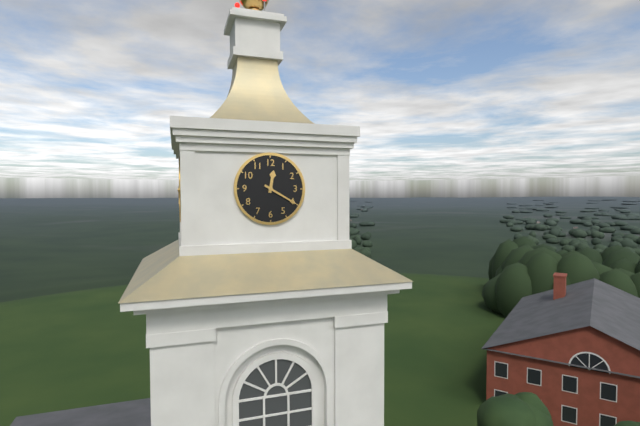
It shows {"hour": 12, "minute": 20}
